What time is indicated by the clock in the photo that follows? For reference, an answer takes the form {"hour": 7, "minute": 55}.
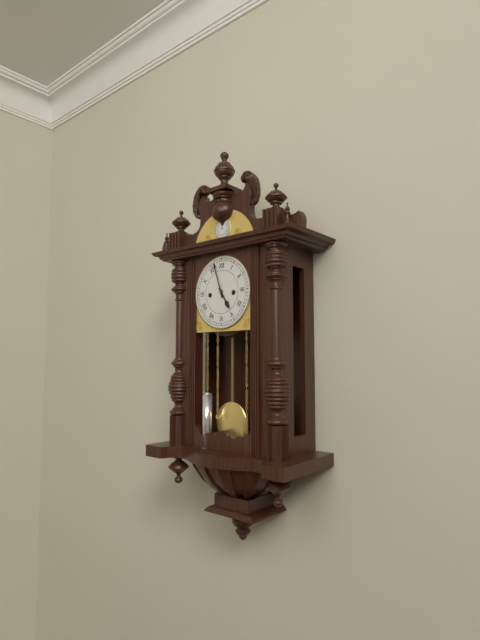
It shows {"hour": 4, "minute": 57}
